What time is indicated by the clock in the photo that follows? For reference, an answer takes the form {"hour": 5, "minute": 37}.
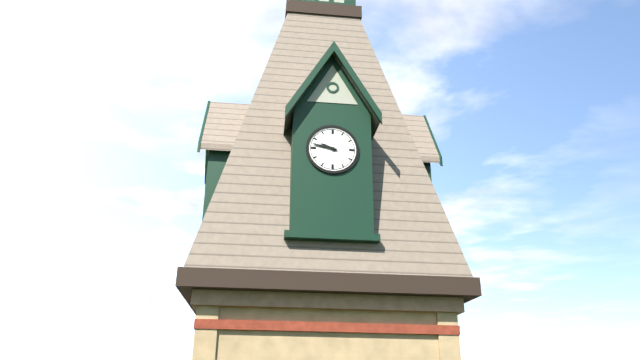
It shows {"hour": 9, "minute": 47}
